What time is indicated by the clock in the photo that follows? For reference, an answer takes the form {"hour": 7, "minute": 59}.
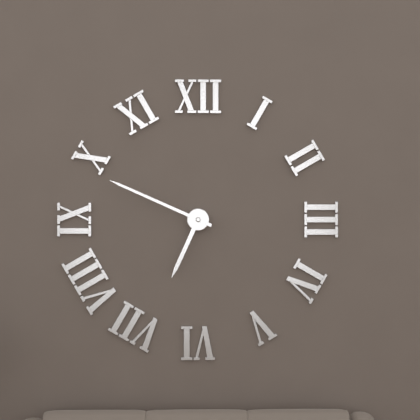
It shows {"hour": 6, "minute": 49}
